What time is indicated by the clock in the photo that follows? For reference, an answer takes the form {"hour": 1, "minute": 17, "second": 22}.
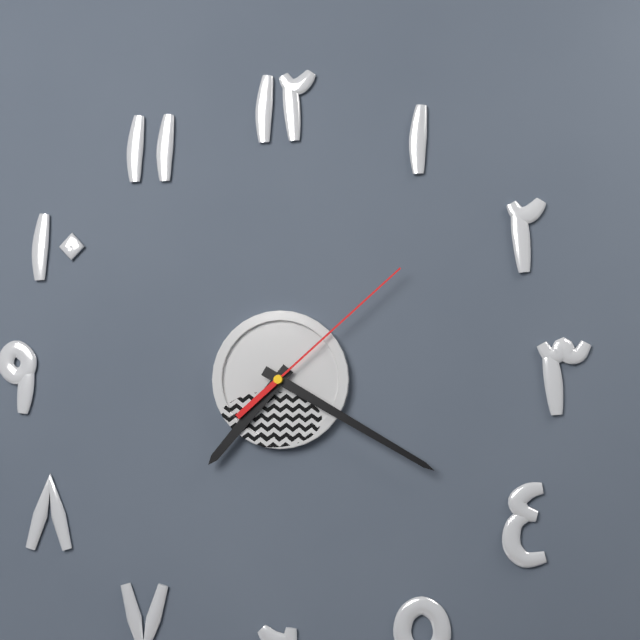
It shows {"hour": 7, "minute": 20, "second": 8}
